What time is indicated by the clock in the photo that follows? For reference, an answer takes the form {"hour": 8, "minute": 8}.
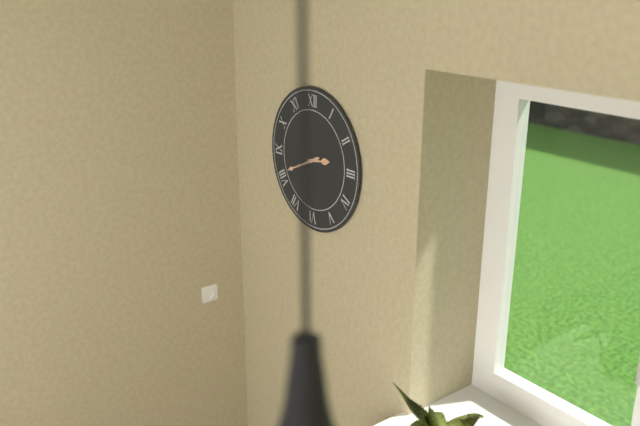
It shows {"hour": 2, "minute": 41}
